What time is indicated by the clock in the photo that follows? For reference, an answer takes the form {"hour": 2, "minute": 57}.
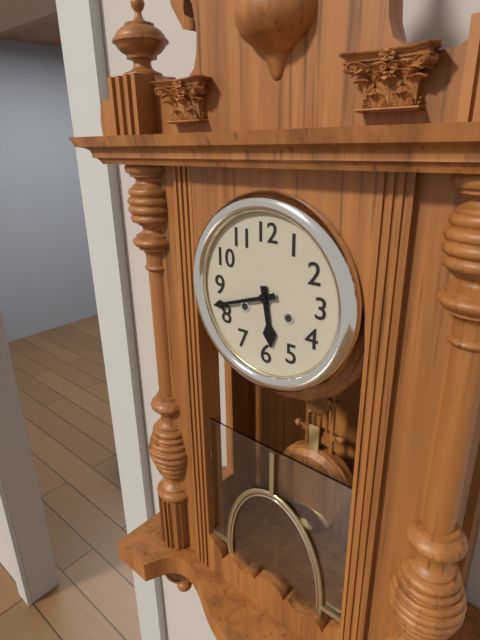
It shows {"hour": 5, "minute": 42}
